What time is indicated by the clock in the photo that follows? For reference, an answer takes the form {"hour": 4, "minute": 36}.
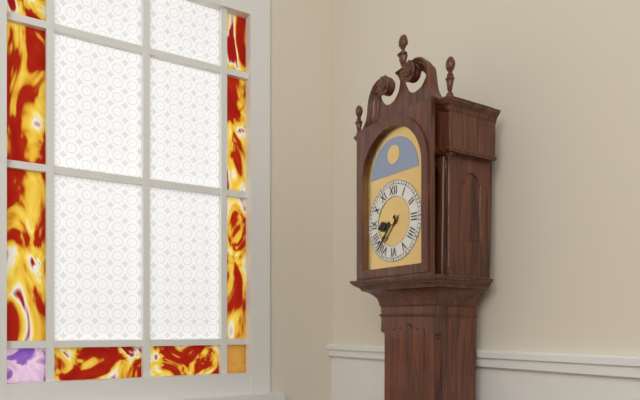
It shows {"hour": 8, "minute": 37}
